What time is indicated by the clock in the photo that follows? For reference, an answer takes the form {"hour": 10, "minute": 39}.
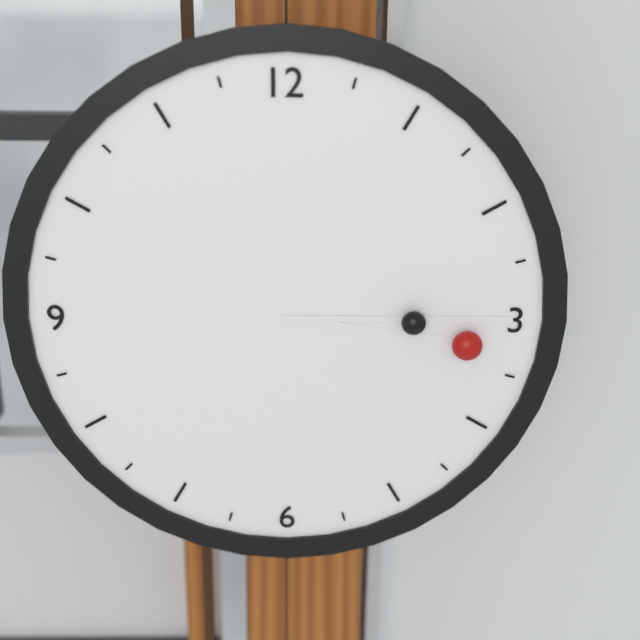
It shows {"hour": 3, "minute": 15}
